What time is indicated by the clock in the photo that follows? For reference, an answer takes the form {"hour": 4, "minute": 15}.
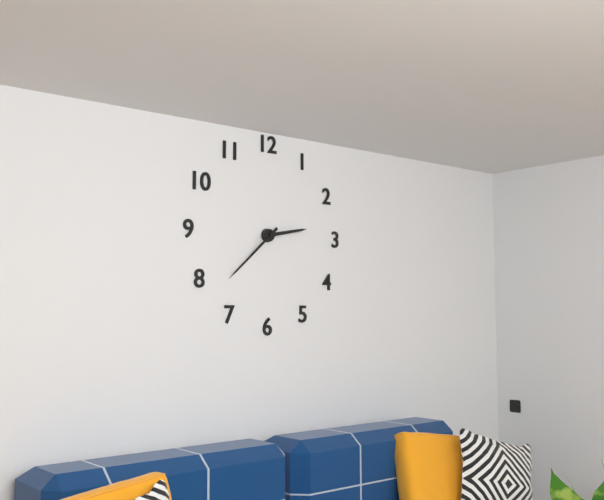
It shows {"hour": 2, "minute": 38}
